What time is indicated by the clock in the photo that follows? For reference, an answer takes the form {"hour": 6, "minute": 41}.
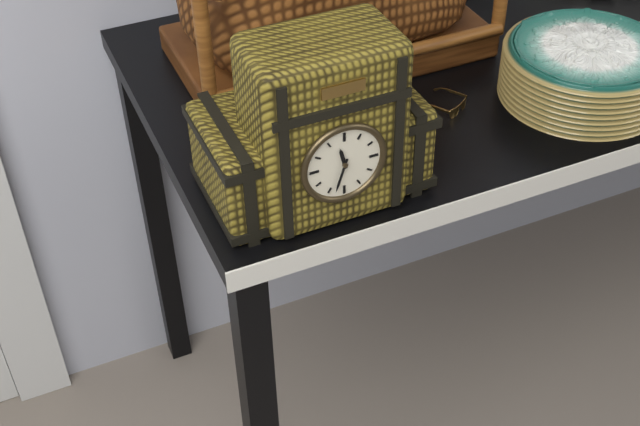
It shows {"hour": 11, "minute": 33}
